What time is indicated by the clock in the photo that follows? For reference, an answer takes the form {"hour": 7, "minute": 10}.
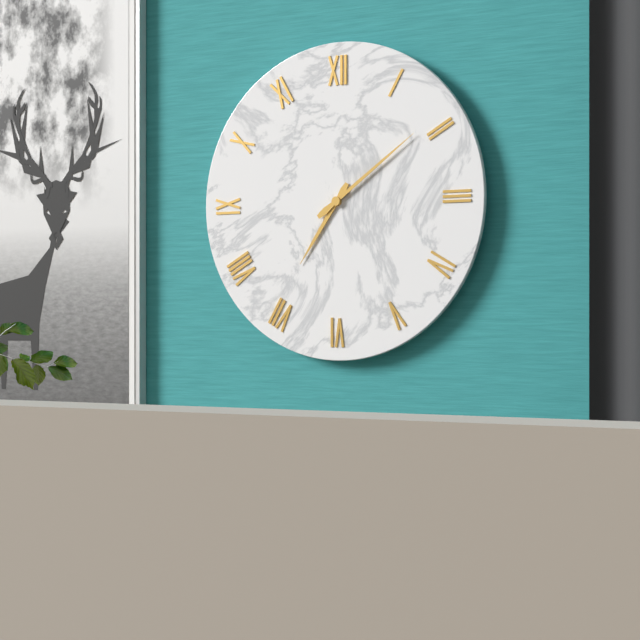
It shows {"hour": 7, "minute": 9}
